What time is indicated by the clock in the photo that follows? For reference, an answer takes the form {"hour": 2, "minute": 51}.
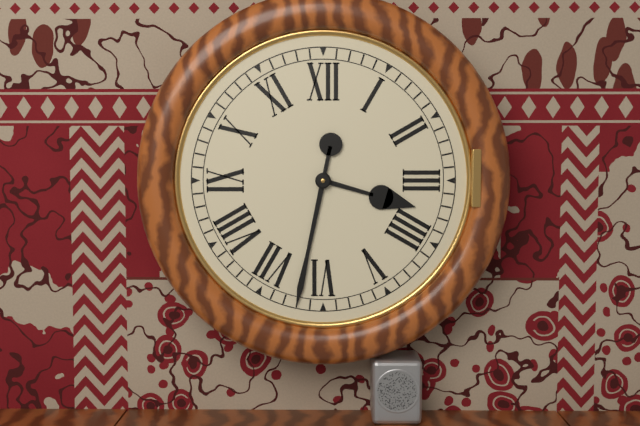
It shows {"hour": 3, "minute": 32}
